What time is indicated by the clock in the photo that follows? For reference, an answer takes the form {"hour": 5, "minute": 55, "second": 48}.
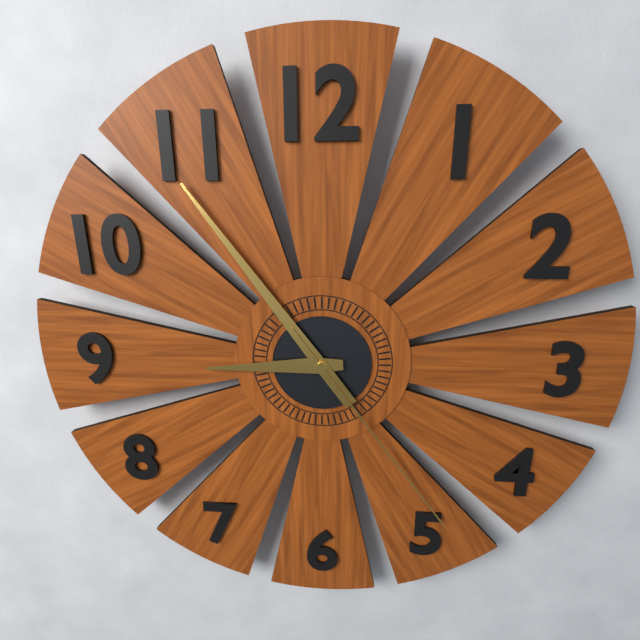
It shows {"hour": 8, "minute": 54, "second": 24}
